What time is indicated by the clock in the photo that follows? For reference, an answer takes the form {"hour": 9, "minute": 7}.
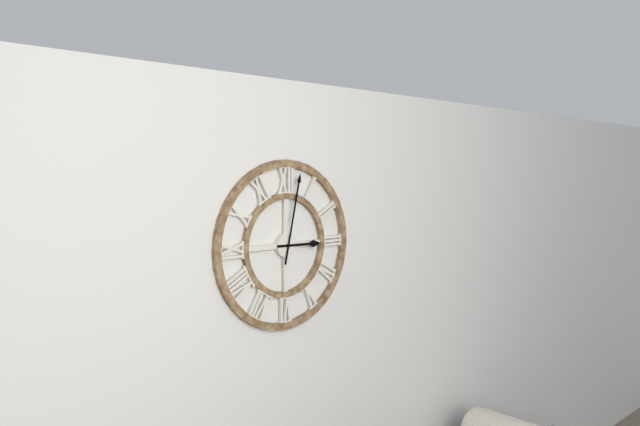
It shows {"hour": 3, "minute": 2}
